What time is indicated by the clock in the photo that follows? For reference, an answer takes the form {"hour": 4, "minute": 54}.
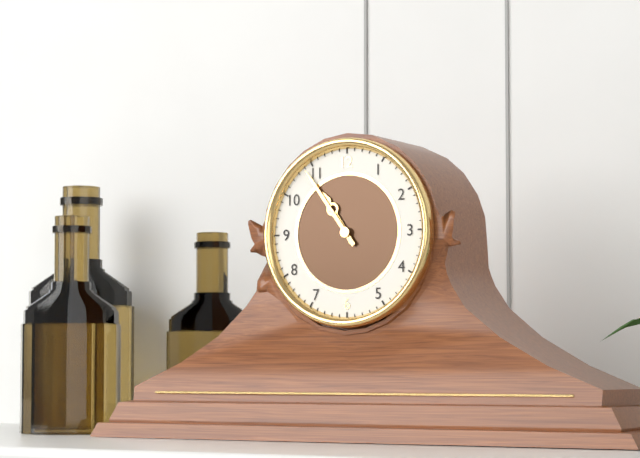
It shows {"hour": 10, "minute": 54}
